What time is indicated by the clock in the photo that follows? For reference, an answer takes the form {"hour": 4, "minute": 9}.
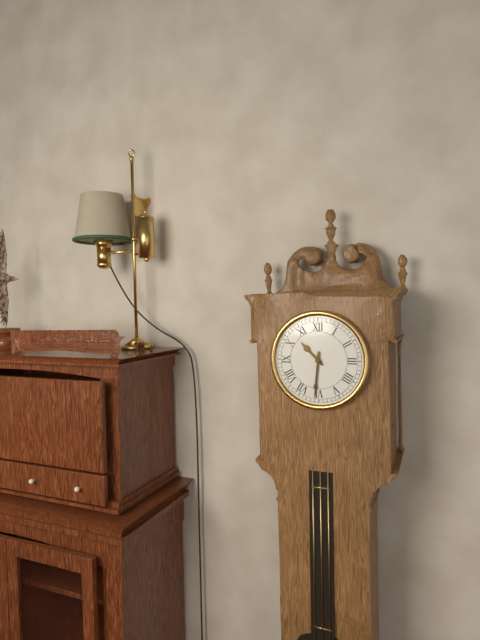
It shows {"hour": 10, "minute": 31}
